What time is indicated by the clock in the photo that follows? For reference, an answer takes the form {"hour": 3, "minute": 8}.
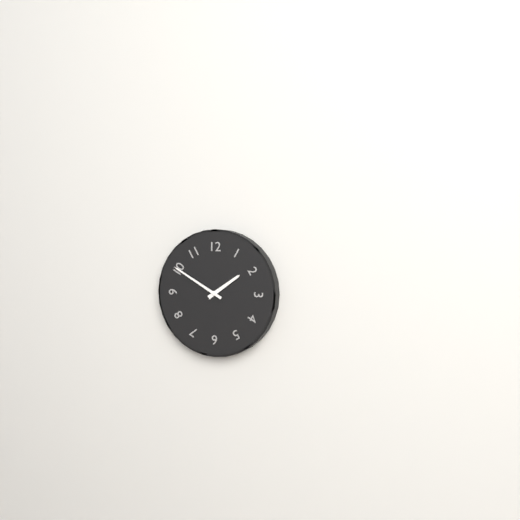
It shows {"hour": 1, "minute": 50}
